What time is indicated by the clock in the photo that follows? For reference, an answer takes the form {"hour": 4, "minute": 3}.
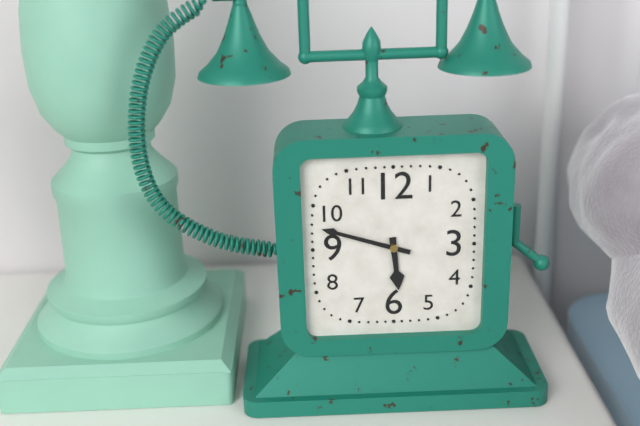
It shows {"hour": 5, "minute": 48}
